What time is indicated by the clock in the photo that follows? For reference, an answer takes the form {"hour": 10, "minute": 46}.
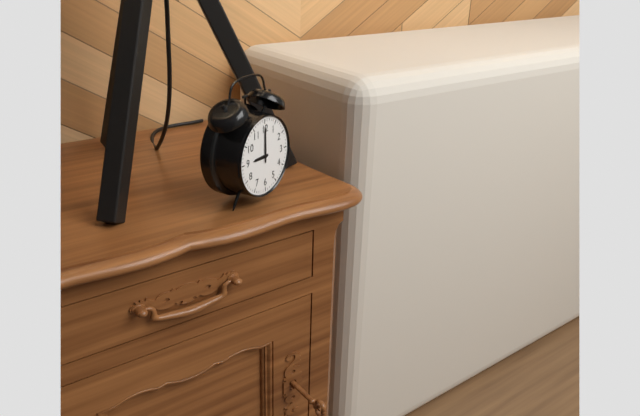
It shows {"hour": 9, "minute": 0}
